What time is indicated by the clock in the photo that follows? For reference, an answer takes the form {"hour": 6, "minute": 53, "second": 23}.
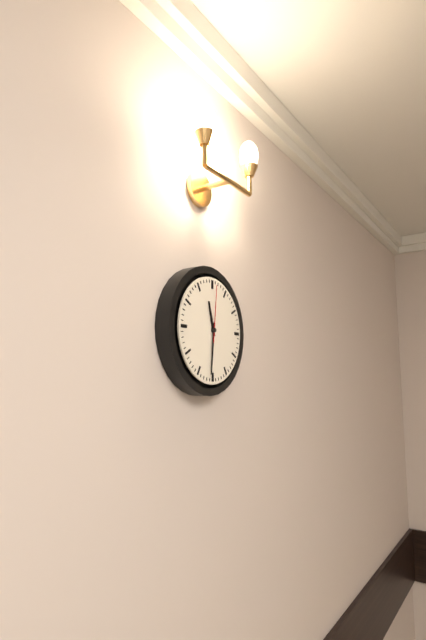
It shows {"hour": 11, "minute": 31, "second": 1}
